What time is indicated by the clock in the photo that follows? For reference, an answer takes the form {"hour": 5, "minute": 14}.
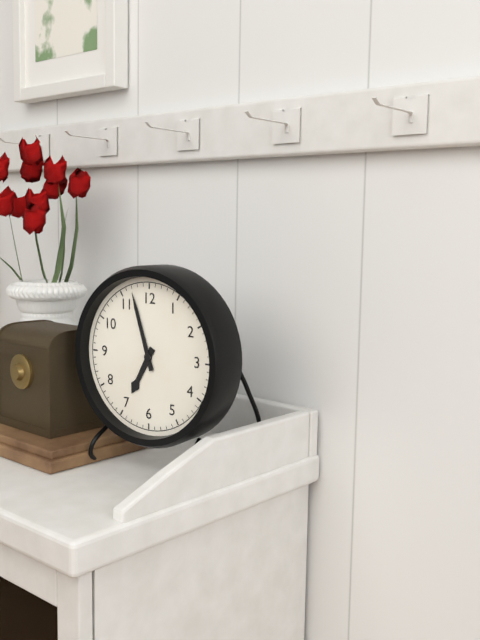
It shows {"hour": 6, "minute": 57}
